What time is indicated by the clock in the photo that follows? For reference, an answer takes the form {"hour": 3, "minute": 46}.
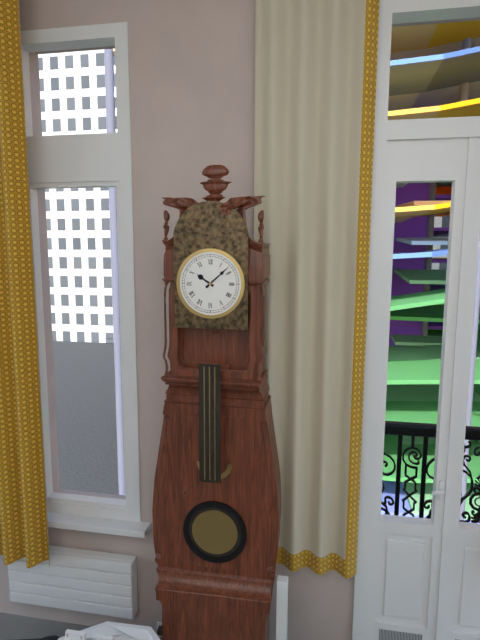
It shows {"hour": 10, "minute": 8}
